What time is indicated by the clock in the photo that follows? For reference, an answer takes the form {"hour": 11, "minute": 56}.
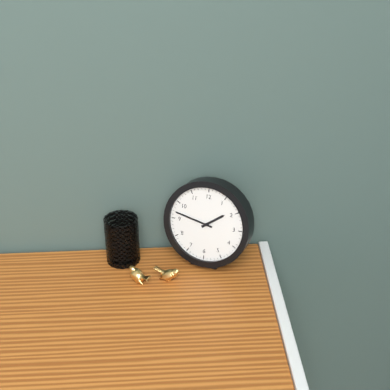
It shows {"hour": 1, "minute": 47}
